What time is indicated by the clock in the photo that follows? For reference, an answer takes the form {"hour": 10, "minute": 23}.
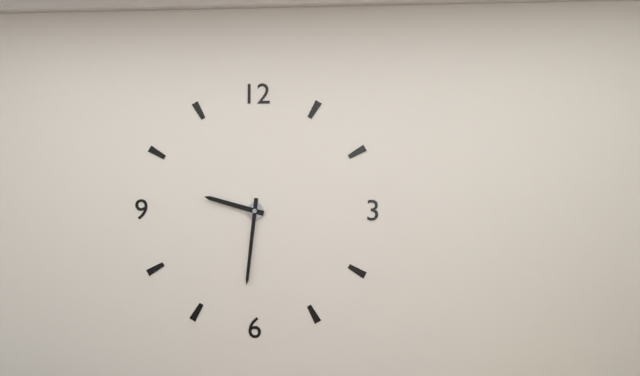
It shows {"hour": 9, "minute": 31}
